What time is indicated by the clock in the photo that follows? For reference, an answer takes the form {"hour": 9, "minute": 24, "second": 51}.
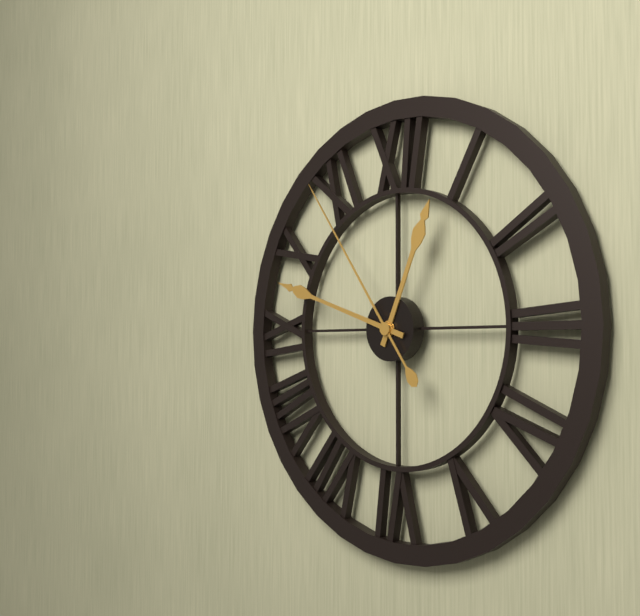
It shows {"hour": 12, "minute": 48, "second": 54}
